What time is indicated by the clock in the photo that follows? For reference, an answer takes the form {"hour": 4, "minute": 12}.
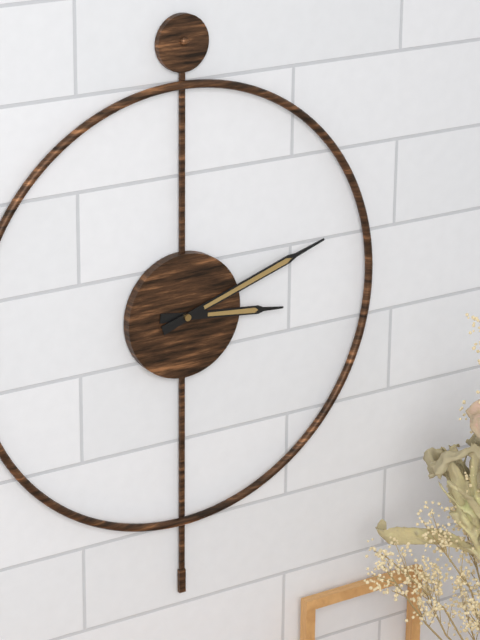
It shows {"hour": 3, "minute": 12}
